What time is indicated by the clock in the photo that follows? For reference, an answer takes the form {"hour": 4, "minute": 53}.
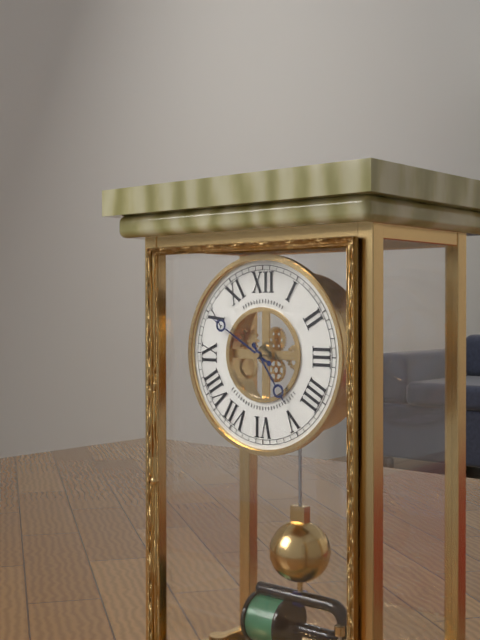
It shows {"hour": 4, "minute": 50}
